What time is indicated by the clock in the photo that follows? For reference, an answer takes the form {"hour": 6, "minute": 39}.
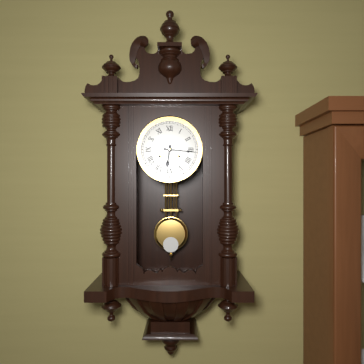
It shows {"hour": 6, "minute": 16}
